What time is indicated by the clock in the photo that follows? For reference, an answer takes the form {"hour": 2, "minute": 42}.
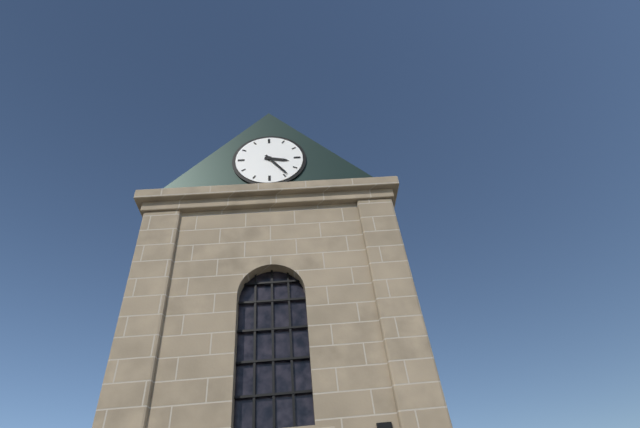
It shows {"hour": 3, "minute": 24}
